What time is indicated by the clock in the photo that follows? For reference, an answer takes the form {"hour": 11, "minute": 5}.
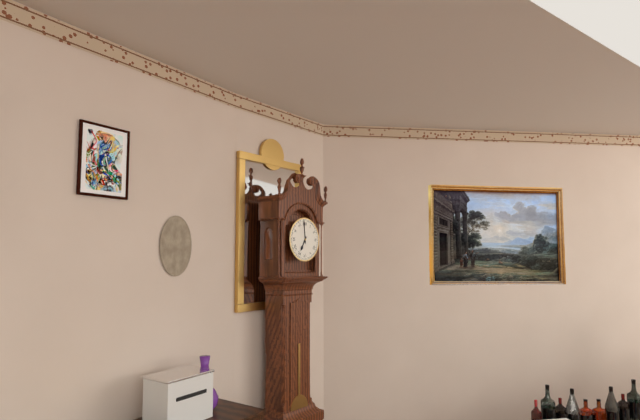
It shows {"hour": 6, "minute": 59}
